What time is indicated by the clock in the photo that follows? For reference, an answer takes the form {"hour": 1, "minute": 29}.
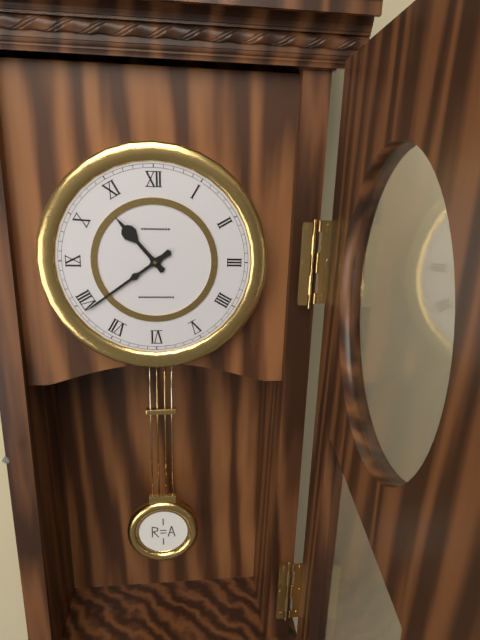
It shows {"hour": 10, "minute": 39}
